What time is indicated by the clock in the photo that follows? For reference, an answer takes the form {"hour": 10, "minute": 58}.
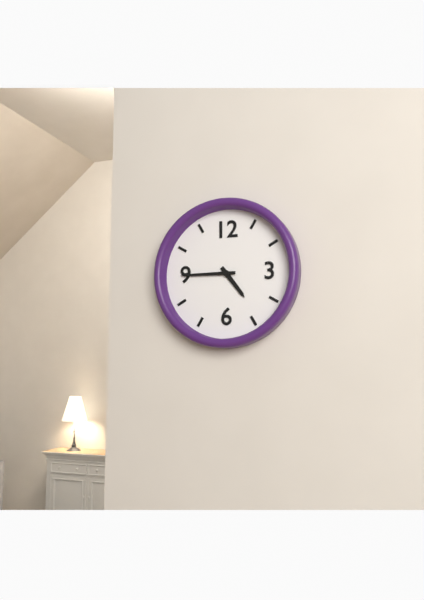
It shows {"hour": 4, "minute": 45}
